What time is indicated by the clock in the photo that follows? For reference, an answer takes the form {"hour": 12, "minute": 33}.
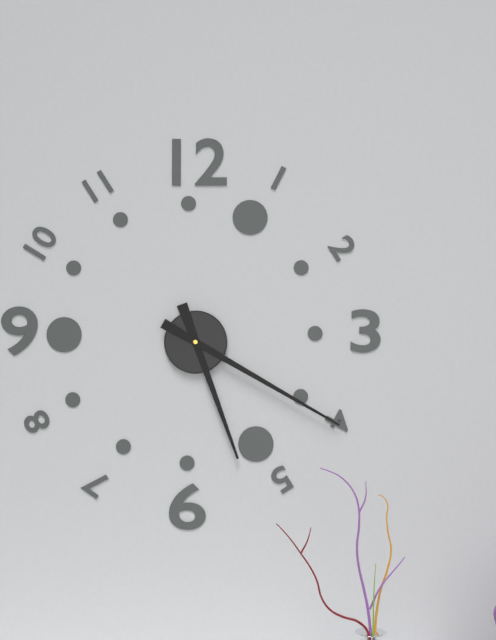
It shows {"hour": 5, "minute": 20}
